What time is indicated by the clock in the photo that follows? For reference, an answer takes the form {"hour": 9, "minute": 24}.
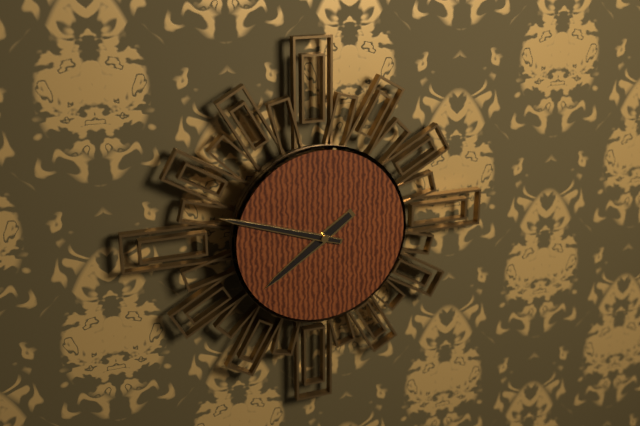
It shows {"hour": 7, "minute": 48}
